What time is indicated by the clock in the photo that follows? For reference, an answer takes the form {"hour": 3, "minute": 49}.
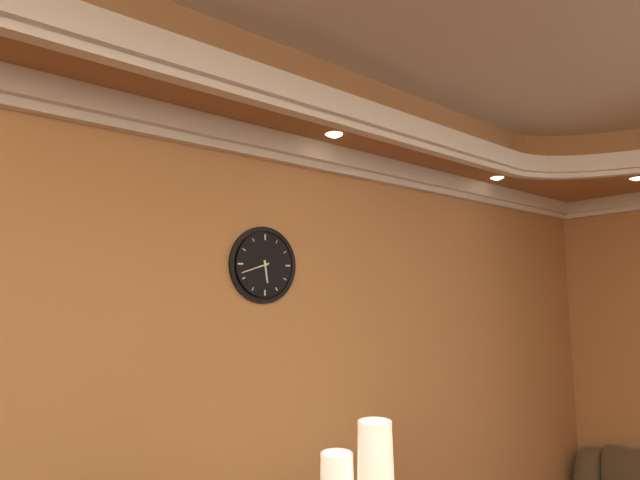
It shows {"hour": 5, "minute": 42}
